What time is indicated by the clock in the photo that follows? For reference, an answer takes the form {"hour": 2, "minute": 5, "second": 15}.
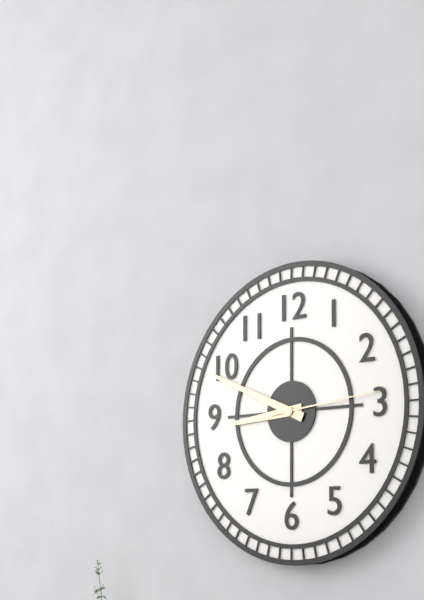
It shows {"hour": 8, "minute": 49, "second": 14}
